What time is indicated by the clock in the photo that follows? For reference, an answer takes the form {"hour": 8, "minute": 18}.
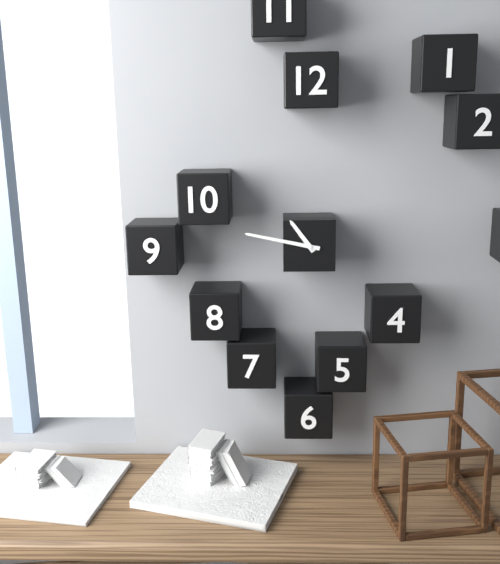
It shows {"hour": 10, "minute": 47}
